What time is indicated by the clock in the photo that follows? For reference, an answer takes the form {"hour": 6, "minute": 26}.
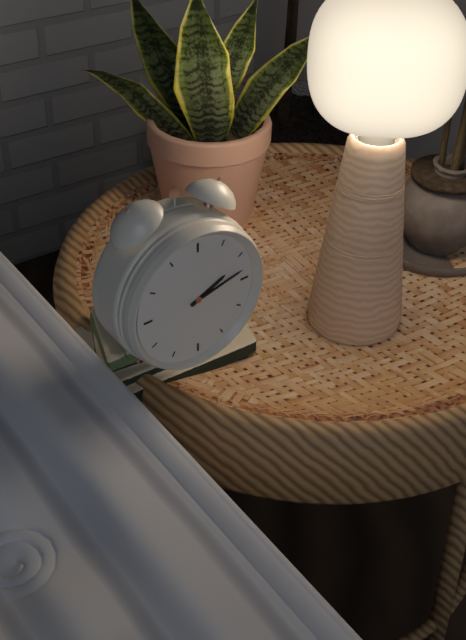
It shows {"hour": 2, "minute": 13}
